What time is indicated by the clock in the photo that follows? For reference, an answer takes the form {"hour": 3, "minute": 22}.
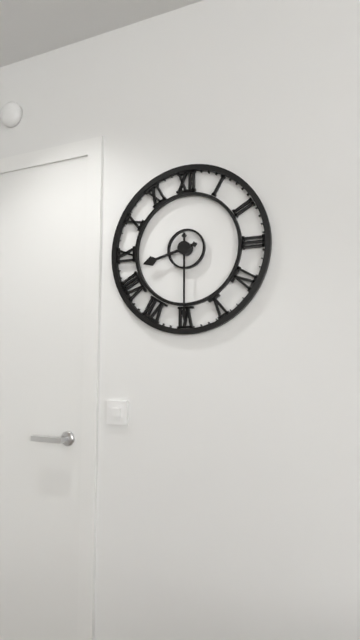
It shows {"hour": 8, "minute": 30}
